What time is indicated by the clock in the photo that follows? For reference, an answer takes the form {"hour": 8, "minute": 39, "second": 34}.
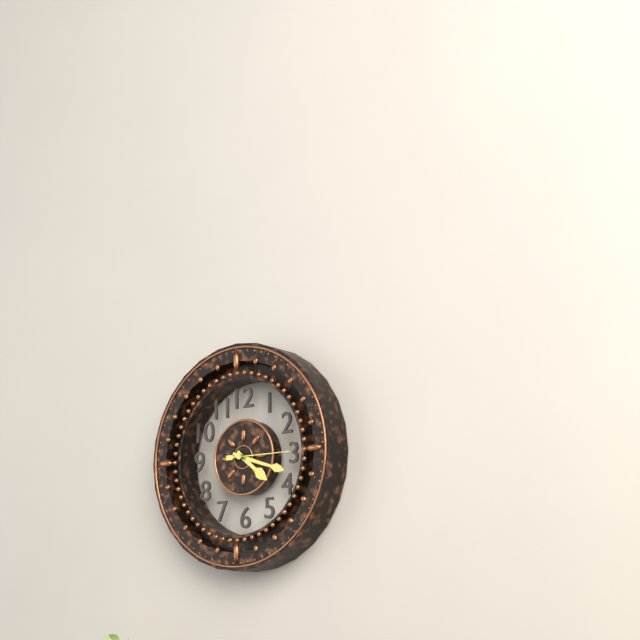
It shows {"hour": 4, "minute": 18, "second": 15}
